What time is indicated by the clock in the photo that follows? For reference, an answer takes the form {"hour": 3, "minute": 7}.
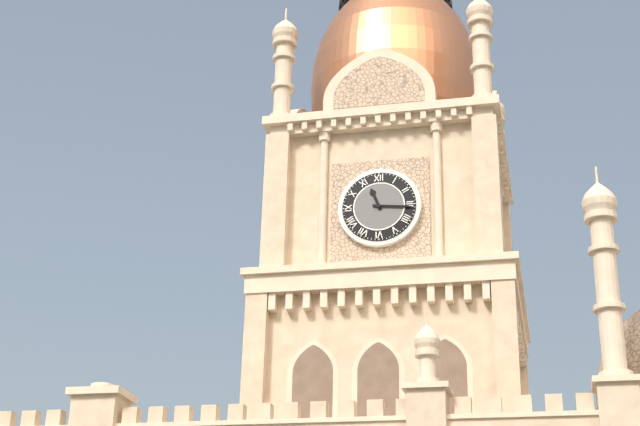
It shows {"hour": 11, "minute": 16}
